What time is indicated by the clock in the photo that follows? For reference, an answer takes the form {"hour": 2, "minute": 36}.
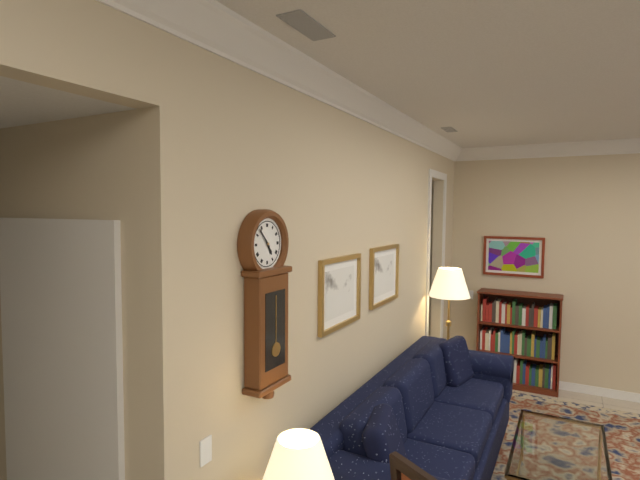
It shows {"hour": 4, "minute": 53}
